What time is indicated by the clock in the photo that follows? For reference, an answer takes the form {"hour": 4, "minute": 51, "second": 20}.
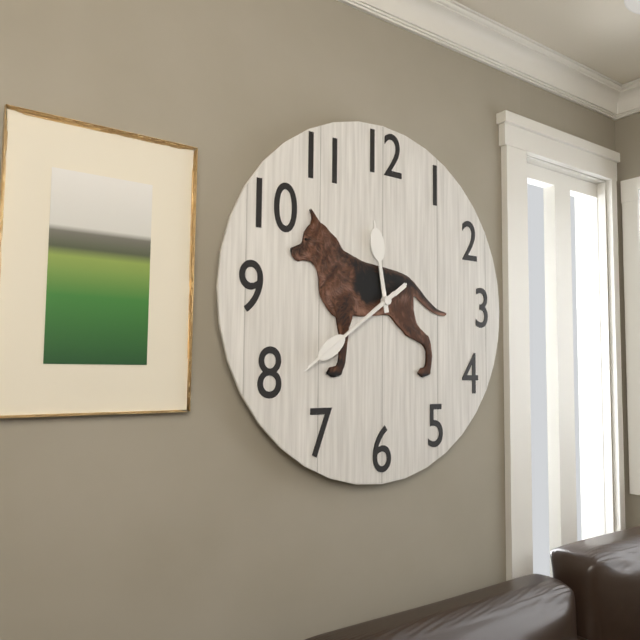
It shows {"hour": 11, "minute": 39, "second": 39}
